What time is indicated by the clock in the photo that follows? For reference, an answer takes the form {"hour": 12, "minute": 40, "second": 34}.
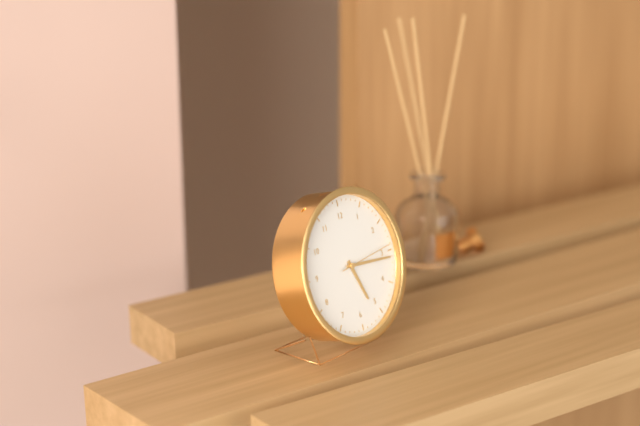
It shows {"hour": 5, "minute": 16, "second": 14}
